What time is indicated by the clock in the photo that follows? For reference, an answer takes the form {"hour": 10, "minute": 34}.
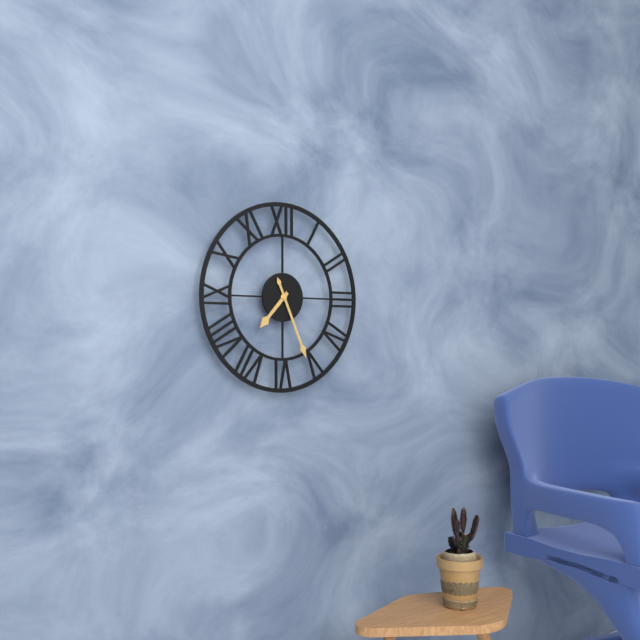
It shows {"hour": 7, "minute": 26}
